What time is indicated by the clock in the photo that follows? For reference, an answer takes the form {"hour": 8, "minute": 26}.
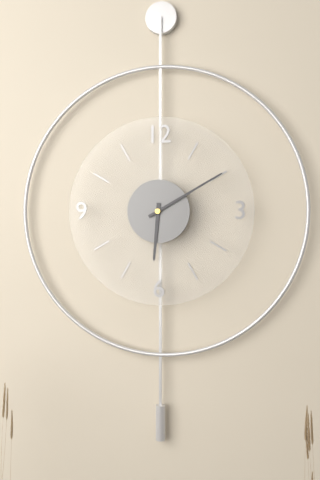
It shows {"hour": 6, "minute": 10}
